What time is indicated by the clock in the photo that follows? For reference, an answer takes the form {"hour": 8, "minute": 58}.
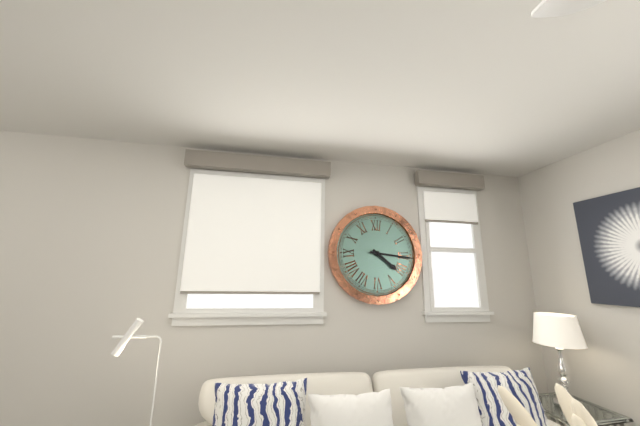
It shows {"hour": 4, "minute": 16}
